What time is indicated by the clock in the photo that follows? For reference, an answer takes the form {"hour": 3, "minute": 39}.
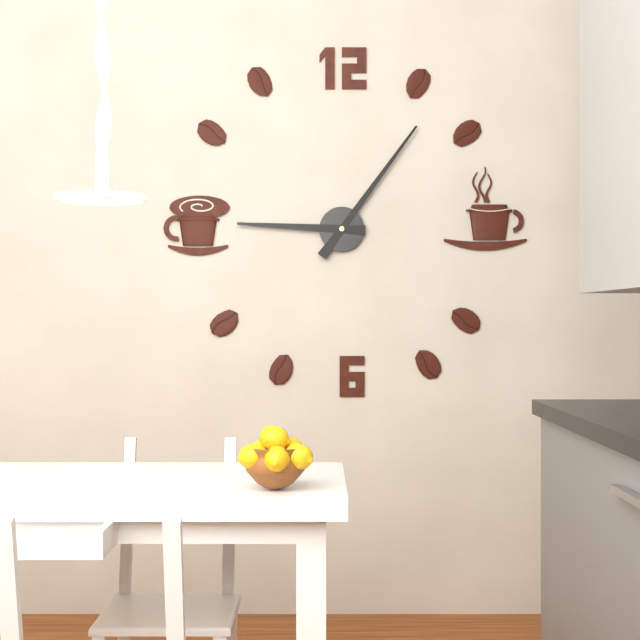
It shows {"hour": 9, "minute": 6}
